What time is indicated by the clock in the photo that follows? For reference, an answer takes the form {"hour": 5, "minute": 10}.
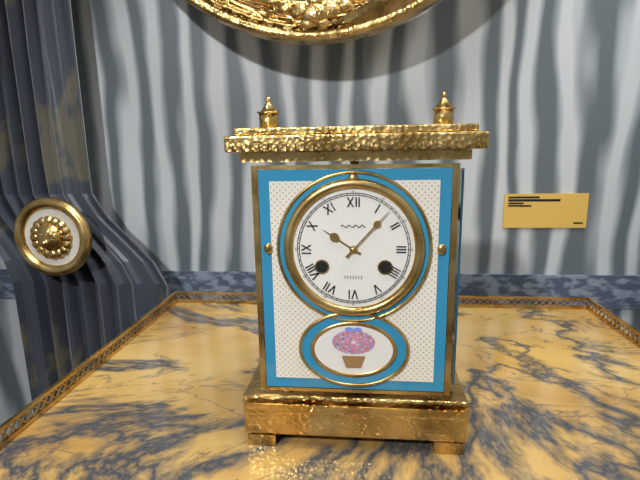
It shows {"hour": 10, "minute": 7}
